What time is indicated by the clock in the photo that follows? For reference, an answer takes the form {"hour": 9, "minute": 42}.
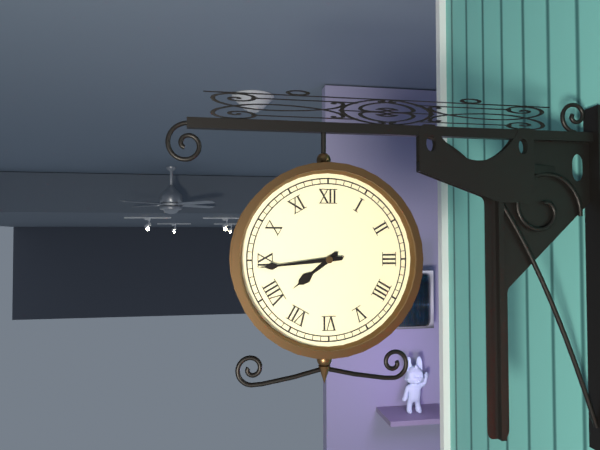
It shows {"hour": 7, "minute": 44}
